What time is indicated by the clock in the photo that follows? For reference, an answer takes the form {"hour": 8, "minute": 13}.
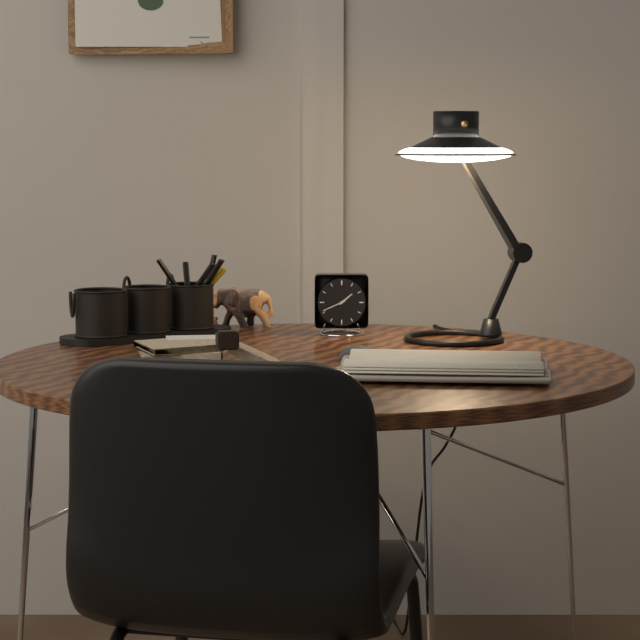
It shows {"hour": 1, "minute": 41}
